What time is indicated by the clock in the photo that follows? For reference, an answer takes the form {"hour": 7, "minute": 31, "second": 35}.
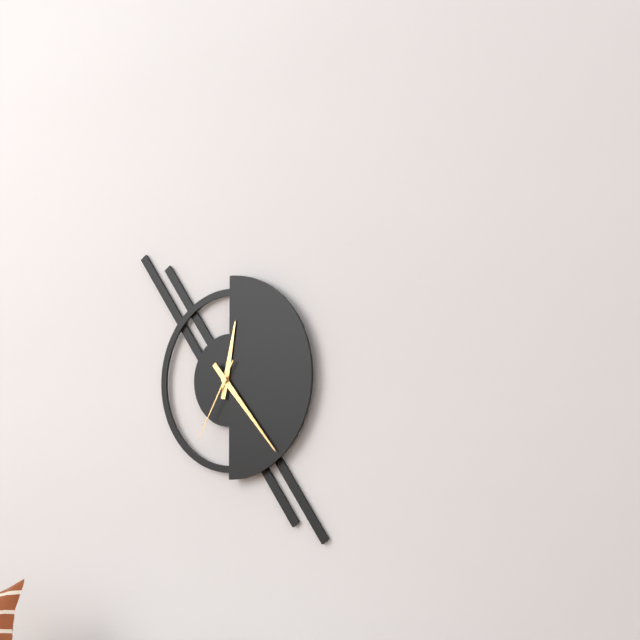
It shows {"hour": 12, "minute": 23, "second": 35}
